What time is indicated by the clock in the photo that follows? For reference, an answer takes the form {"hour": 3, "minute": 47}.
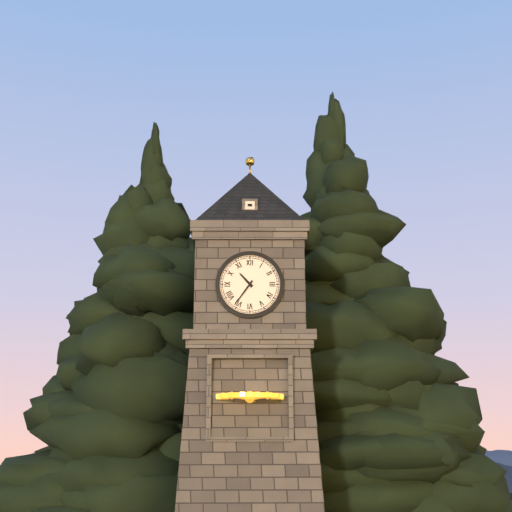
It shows {"hour": 10, "minute": 36}
